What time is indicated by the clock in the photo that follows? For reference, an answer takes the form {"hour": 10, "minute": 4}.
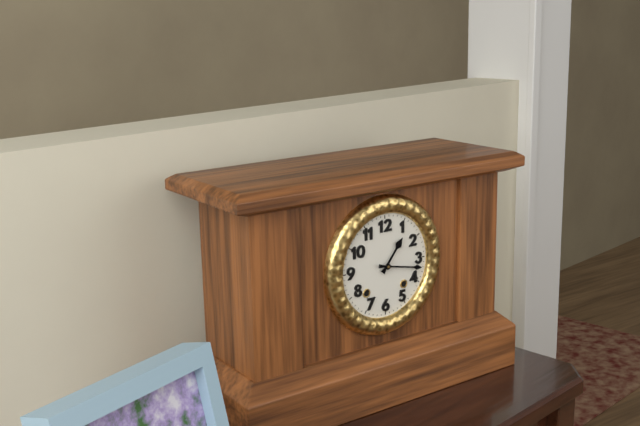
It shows {"hour": 1, "minute": 17}
